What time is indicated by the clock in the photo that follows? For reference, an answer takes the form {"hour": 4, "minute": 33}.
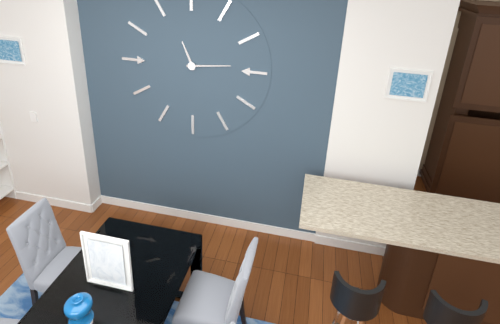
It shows {"hour": 11, "minute": 14}
